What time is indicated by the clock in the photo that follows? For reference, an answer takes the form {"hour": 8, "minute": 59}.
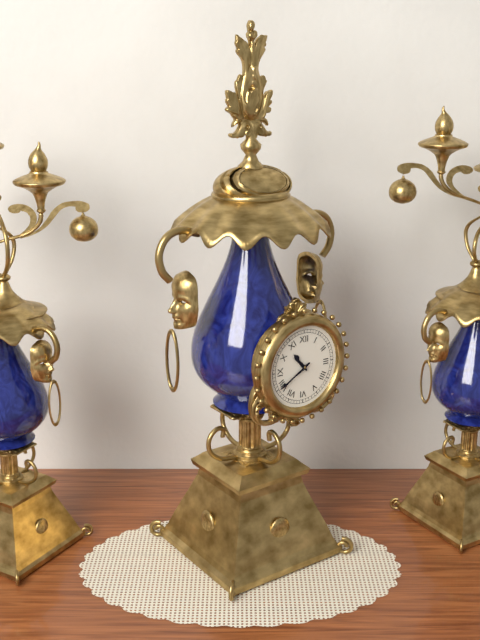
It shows {"hour": 10, "minute": 40}
